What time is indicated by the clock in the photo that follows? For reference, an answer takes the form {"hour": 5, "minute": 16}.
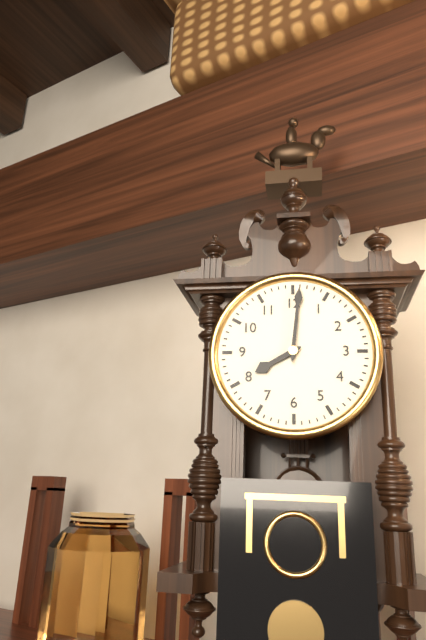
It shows {"hour": 8, "minute": 1}
